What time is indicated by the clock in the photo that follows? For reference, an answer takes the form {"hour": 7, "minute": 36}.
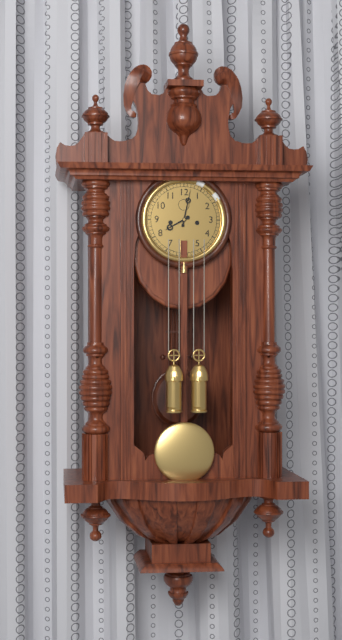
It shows {"hour": 8, "minute": 2}
